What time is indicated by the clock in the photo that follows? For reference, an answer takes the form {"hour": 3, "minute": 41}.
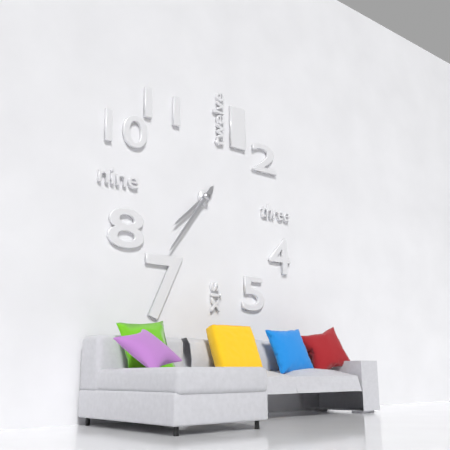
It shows {"hour": 7, "minute": 36}
